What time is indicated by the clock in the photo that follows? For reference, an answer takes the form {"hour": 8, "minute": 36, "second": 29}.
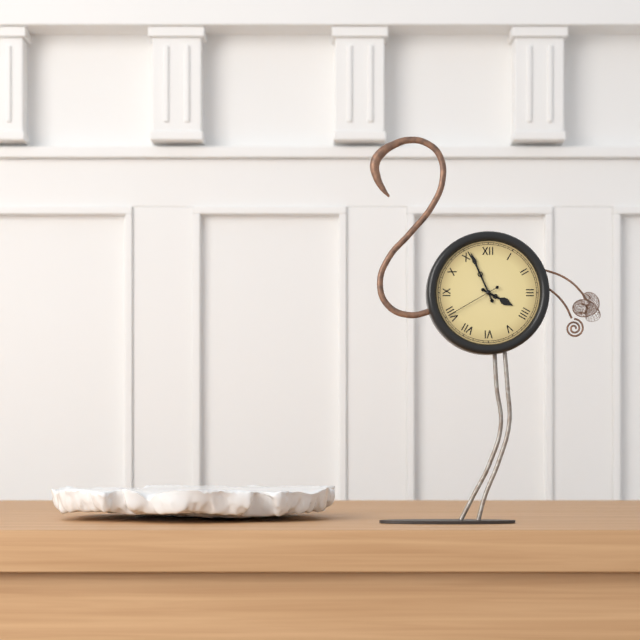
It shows {"hour": 3, "minute": 56, "second": 40}
